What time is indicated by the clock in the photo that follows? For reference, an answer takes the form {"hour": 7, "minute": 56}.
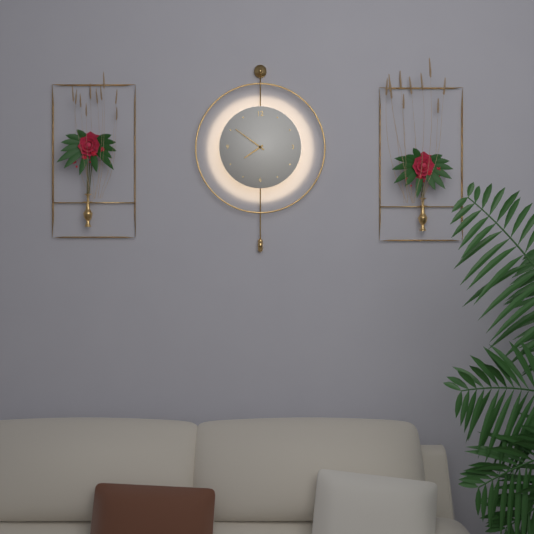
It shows {"hour": 7, "minute": 51}
